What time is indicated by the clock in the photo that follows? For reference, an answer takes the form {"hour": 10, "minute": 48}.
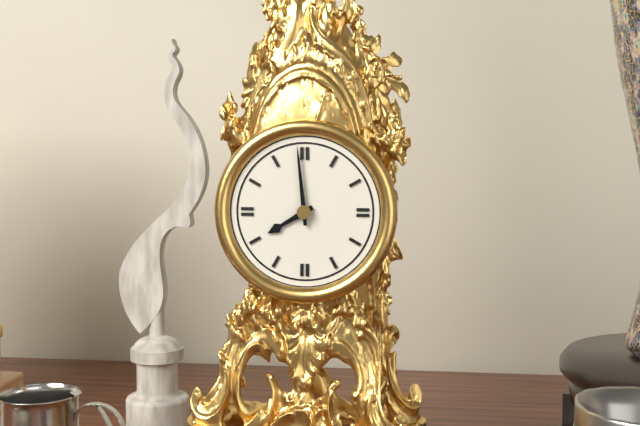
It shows {"hour": 7, "minute": 59}
